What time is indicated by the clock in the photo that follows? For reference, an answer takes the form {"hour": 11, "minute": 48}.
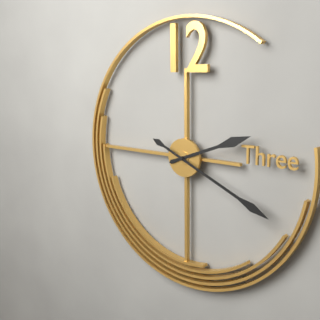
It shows {"hour": 2, "minute": 19}
